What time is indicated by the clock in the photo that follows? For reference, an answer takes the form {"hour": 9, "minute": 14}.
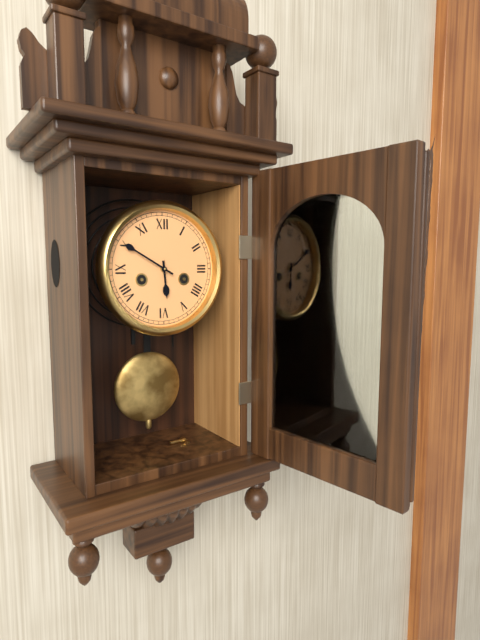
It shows {"hour": 5, "minute": 50}
